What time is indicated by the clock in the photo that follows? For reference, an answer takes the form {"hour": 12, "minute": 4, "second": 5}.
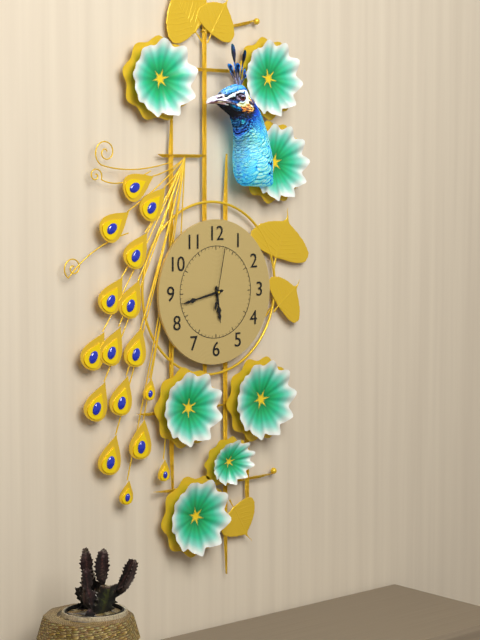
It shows {"hour": 5, "minute": 43, "second": 2}
